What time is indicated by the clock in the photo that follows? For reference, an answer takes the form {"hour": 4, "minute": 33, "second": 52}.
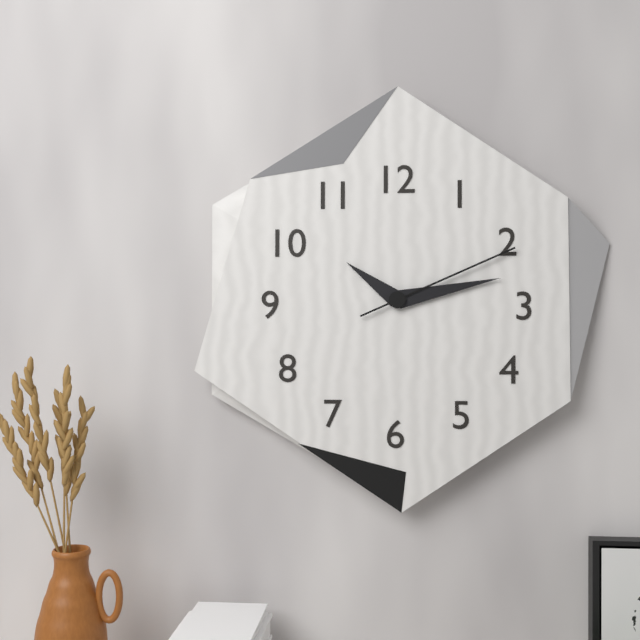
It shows {"hour": 10, "minute": 13, "second": 11}
